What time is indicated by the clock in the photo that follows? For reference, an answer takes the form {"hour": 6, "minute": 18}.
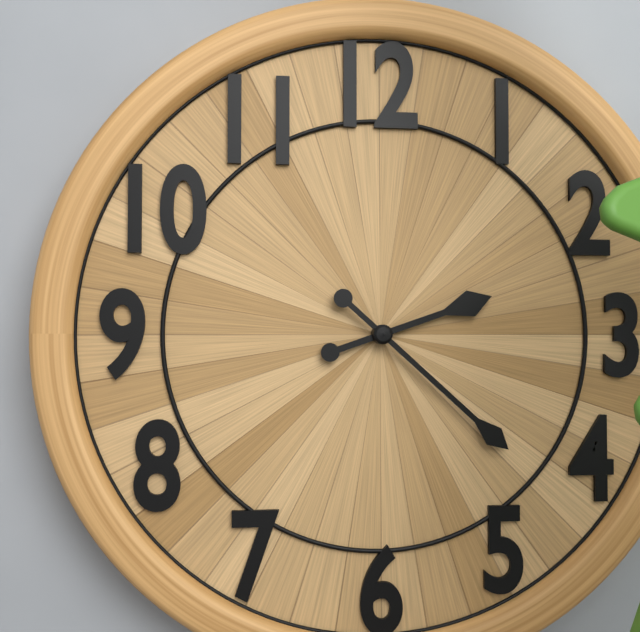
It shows {"hour": 2, "minute": 22}
